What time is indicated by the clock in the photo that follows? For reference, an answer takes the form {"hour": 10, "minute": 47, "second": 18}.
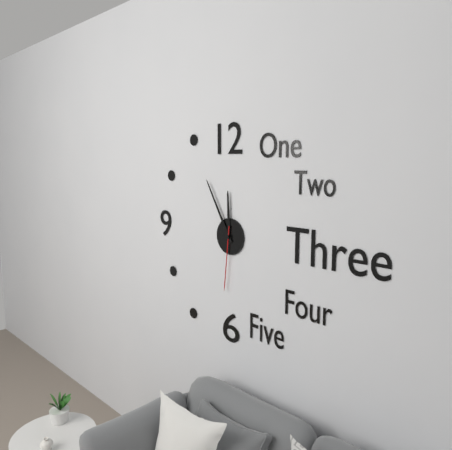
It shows {"hour": 11, "minute": 55, "second": 31}
